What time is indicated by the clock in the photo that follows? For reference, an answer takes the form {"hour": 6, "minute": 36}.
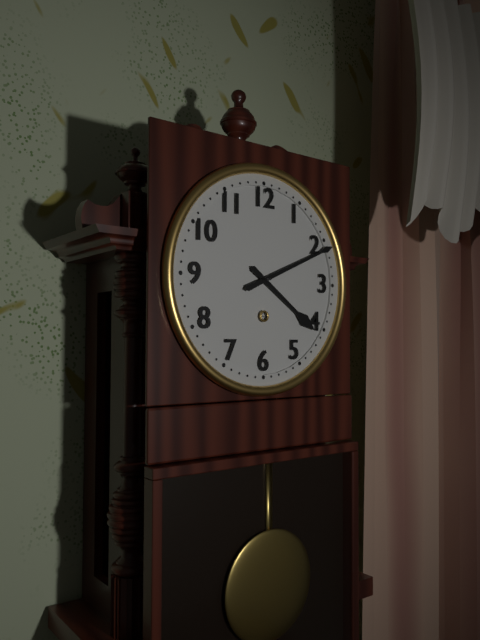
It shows {"hour": 4, "minute": 11}
